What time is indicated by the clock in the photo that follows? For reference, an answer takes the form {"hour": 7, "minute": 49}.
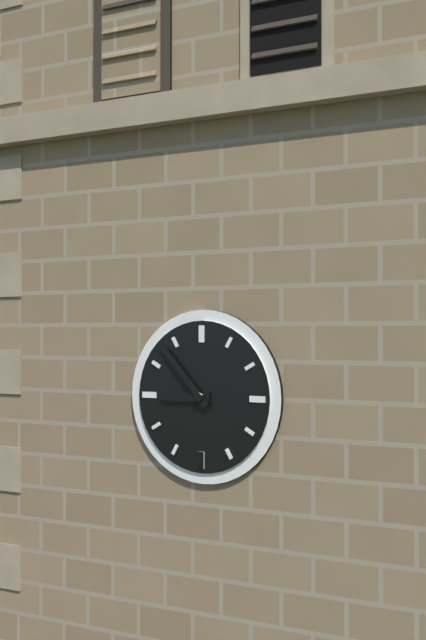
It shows {"hour": 8, "minute": 53}
